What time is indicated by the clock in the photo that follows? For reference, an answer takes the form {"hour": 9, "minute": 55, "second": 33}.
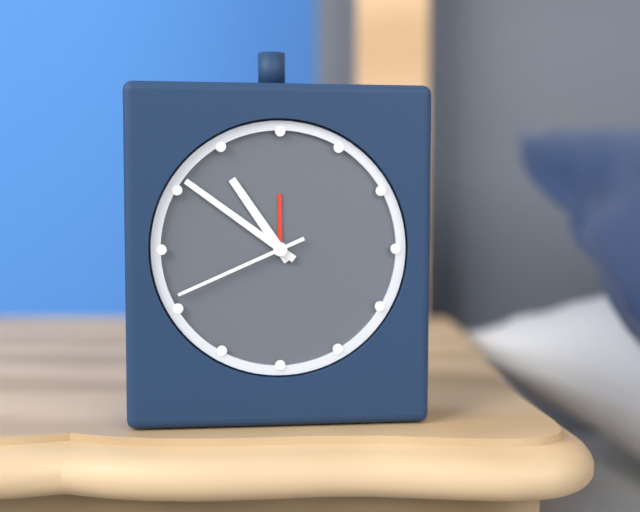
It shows {"hour": 10, "minute": 51, "second": 41}
